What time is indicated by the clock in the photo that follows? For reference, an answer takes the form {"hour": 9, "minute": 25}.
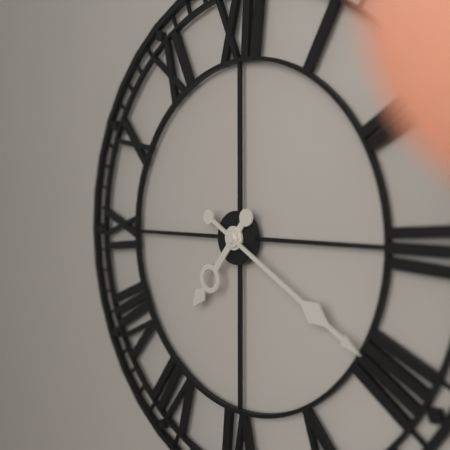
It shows {"hour": 7, "minute": 20}
